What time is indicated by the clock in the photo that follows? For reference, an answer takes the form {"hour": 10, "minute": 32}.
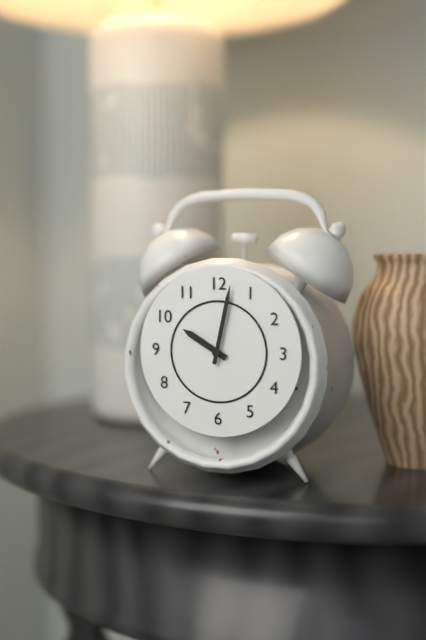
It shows {"hour": 10, "minute": 2}
